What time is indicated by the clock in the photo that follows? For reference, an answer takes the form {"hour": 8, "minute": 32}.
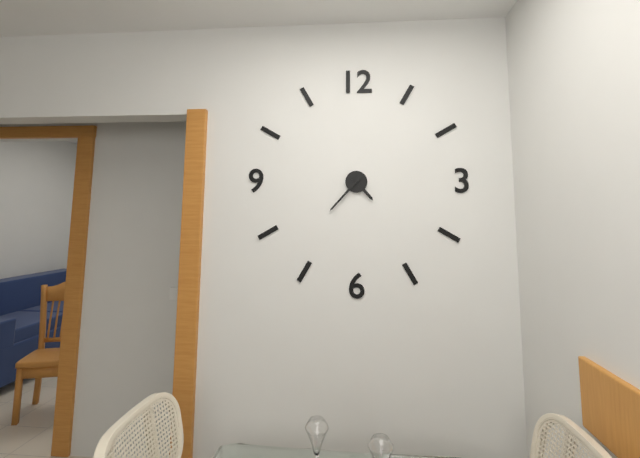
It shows {"hour": 4, "minute": 37}
